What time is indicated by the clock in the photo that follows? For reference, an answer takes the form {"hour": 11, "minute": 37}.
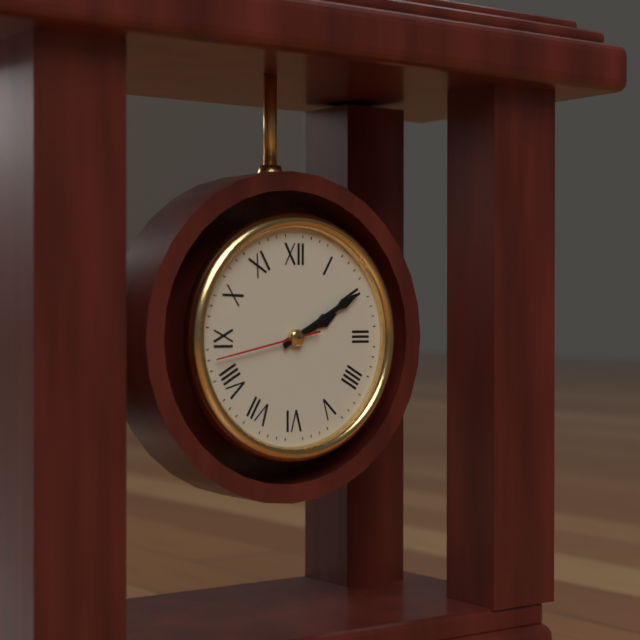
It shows {"hour": 2, "minute": 10}
